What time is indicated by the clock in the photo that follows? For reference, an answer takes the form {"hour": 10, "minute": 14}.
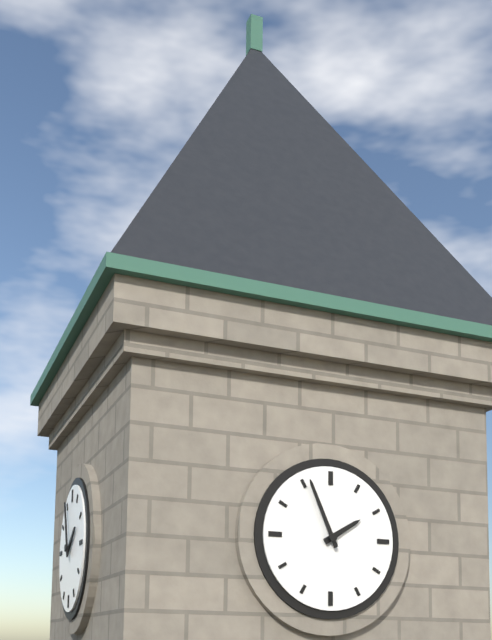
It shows {"hour": 1, "minute": 56}
